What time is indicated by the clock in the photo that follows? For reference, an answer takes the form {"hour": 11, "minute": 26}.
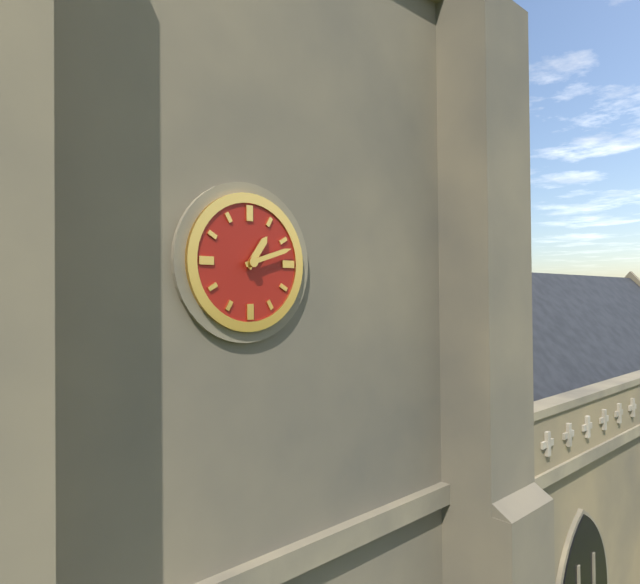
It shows {"hour": 1, "minute": 12}
